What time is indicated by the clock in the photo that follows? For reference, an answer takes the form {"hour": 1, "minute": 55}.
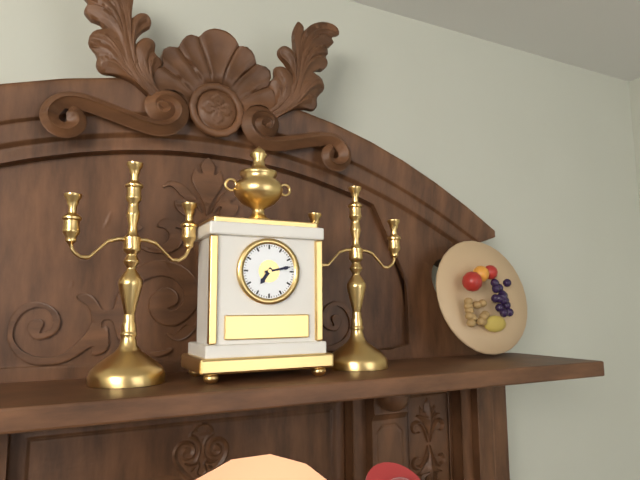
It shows {"hour": 7, "minute": 13}
